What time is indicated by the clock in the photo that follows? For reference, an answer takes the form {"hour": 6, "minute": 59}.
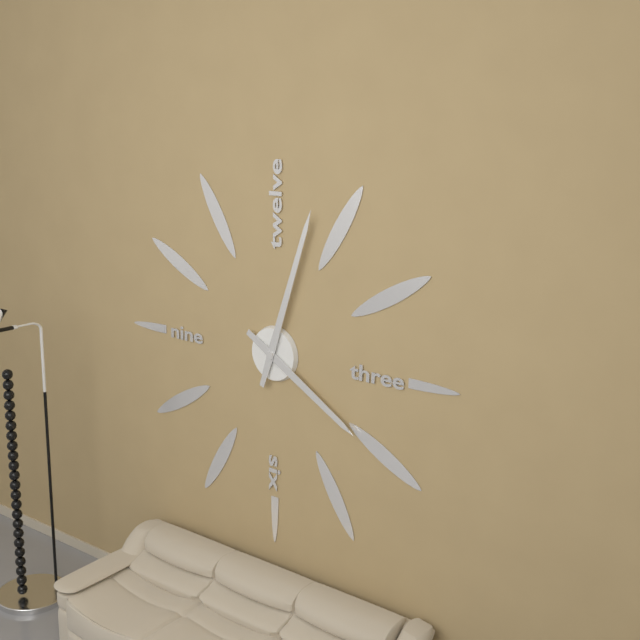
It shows {"hour": 4, "minute": 3}
